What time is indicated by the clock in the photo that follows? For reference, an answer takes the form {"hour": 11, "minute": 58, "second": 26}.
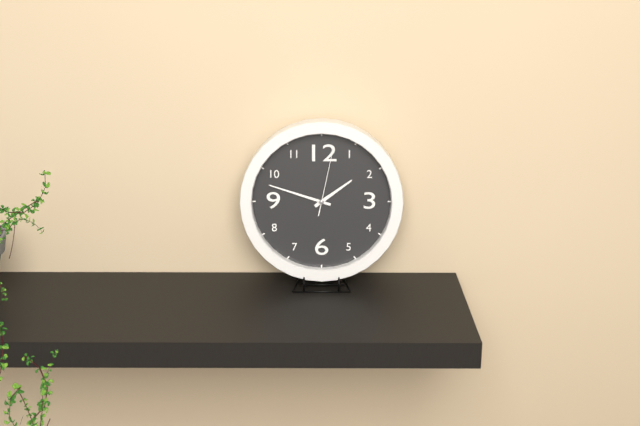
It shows {"hour": 1, "minute": 48, "second": 2}
